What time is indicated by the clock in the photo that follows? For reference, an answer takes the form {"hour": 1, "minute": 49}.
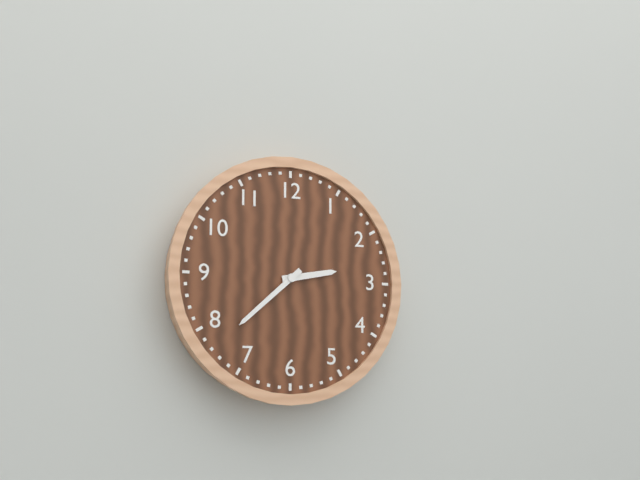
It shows {"hour": 2, "minute": 38}
